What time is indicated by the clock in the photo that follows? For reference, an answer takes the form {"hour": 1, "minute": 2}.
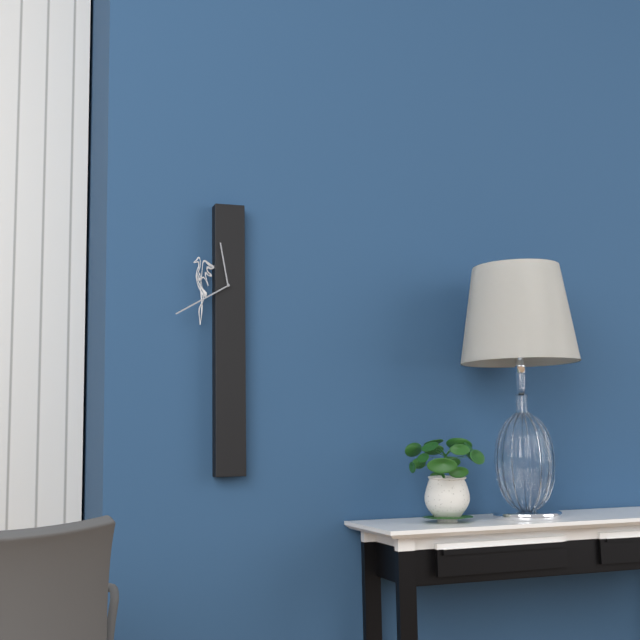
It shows {"hour": 11, "minute": 40}
